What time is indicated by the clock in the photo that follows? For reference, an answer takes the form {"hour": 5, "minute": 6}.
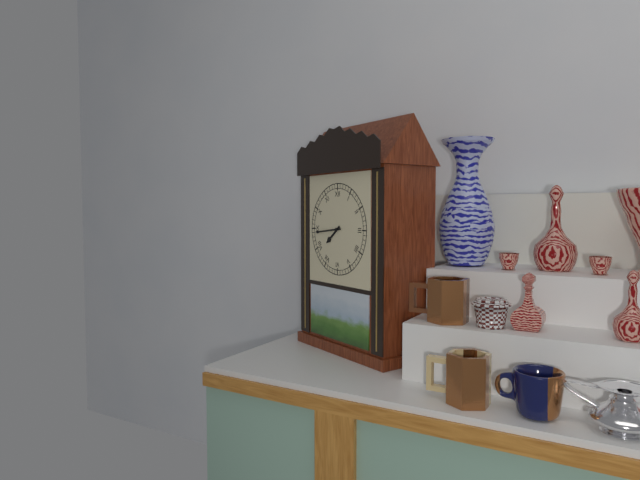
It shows {"hour": 7, "minute": 44}
